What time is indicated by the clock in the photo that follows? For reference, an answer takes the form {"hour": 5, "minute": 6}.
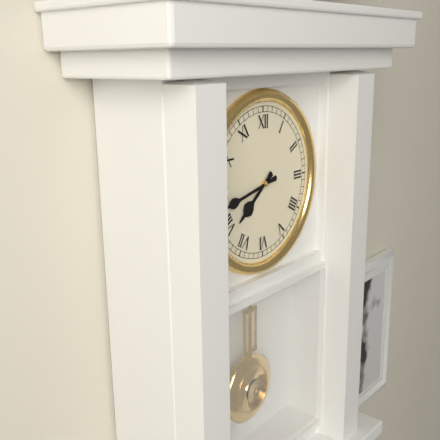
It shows {"hour": 7, "minute": 43}
